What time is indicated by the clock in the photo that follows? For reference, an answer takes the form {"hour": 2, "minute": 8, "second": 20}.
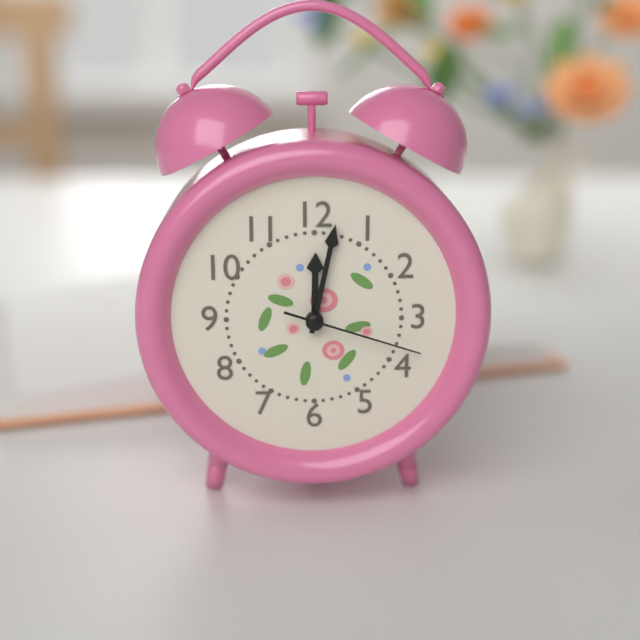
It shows {"hour": 12, "minute": 2, "second": 18}
